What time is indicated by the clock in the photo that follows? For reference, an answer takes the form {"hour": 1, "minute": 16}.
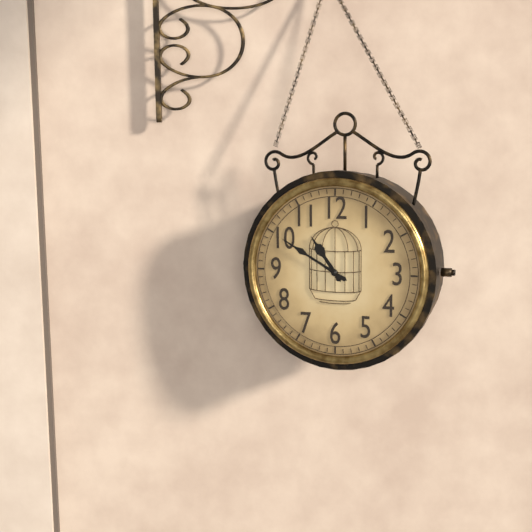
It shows {"hour": 10, "minute": 50}
